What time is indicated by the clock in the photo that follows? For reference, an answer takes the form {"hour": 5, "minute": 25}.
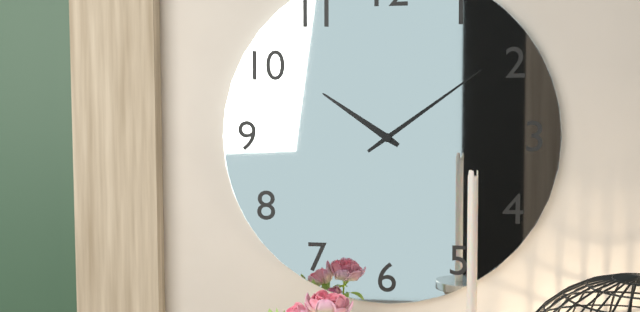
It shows {"hour": 10, "minute": 9}
